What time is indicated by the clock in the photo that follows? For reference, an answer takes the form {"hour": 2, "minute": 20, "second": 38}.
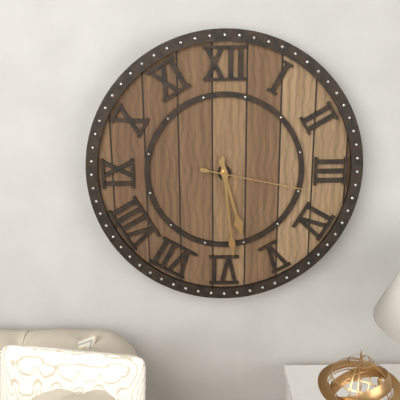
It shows {"hour": 5, "minute": 29, "second": 17}
